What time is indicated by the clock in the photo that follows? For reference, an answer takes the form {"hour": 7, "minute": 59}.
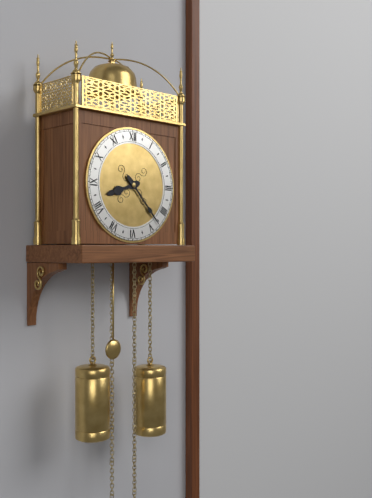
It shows {"hour": 8, "minute": 23}
